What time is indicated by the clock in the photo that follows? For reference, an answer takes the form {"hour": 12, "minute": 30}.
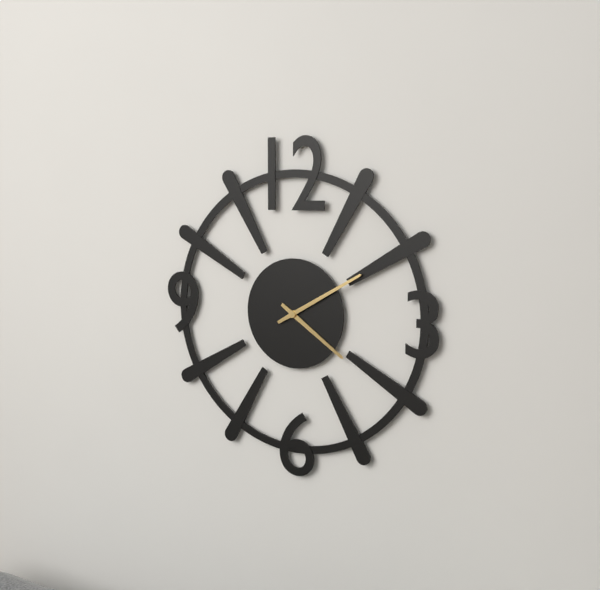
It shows {"hour": 4, "minute": 10}
